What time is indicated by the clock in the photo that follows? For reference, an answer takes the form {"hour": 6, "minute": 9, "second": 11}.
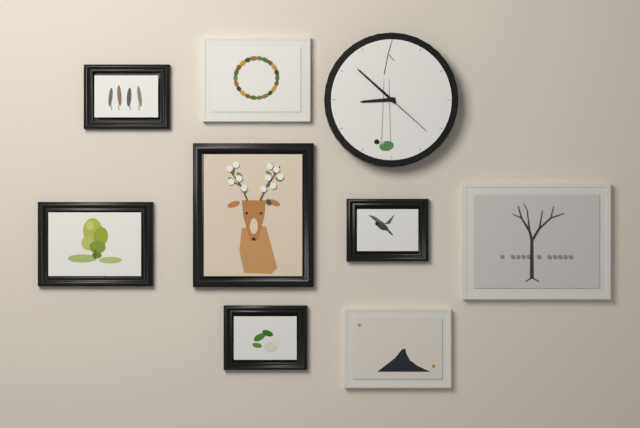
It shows {"hour": 8, "minute": 52, "second": 22}
